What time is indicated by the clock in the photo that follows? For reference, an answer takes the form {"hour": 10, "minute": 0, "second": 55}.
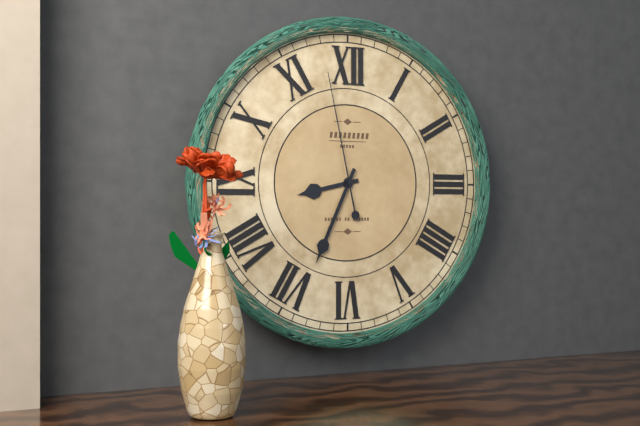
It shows {"hour": 8, "minute": 34, "second": 58}
